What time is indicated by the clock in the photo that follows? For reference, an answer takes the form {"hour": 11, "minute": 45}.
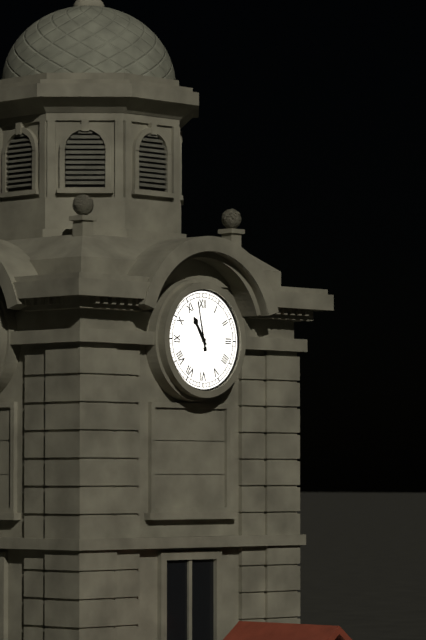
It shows {"hour": 10, "minute": 58}
